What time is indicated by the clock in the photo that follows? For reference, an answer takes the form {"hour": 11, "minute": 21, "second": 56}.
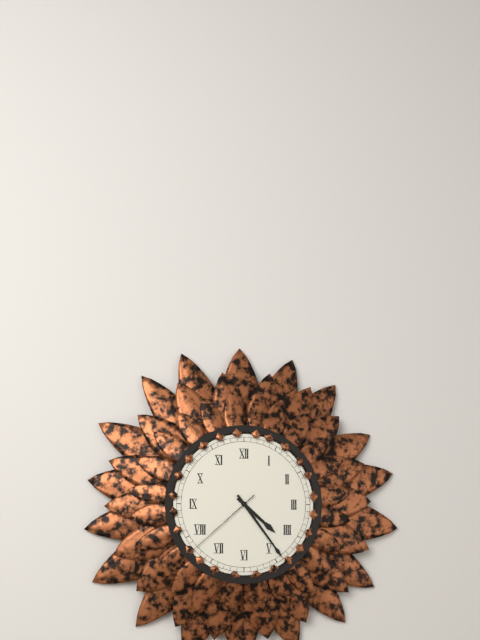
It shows {"hour": 4, "minute": 24, "second": 38}
